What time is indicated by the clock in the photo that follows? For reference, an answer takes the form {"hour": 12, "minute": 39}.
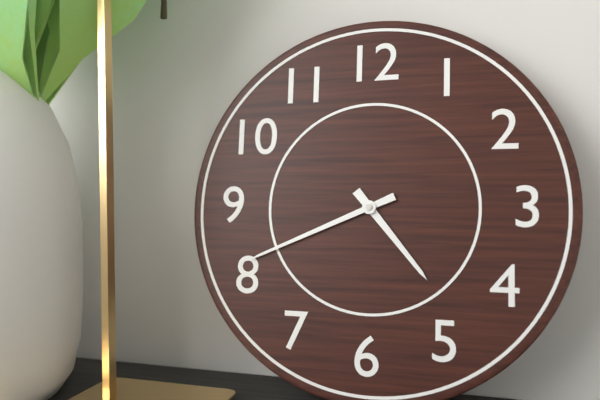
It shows {"hour": 4, "minute": 41}
